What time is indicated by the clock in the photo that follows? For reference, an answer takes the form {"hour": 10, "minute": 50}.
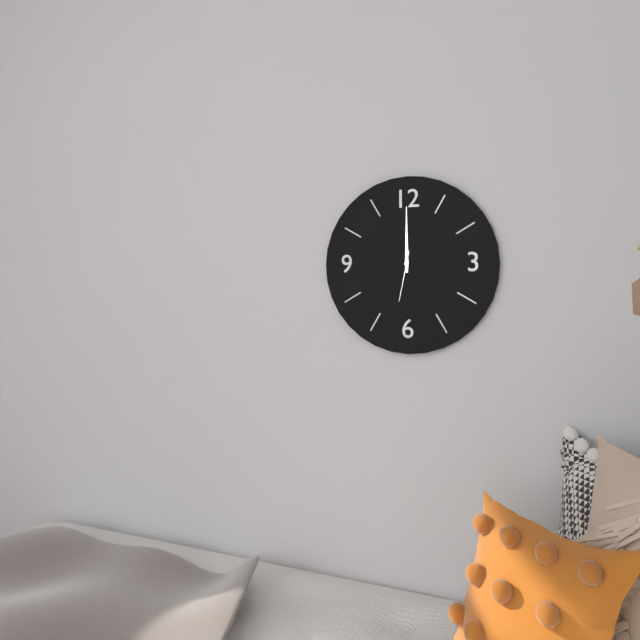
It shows {"hour": 12, "minute": 0}
